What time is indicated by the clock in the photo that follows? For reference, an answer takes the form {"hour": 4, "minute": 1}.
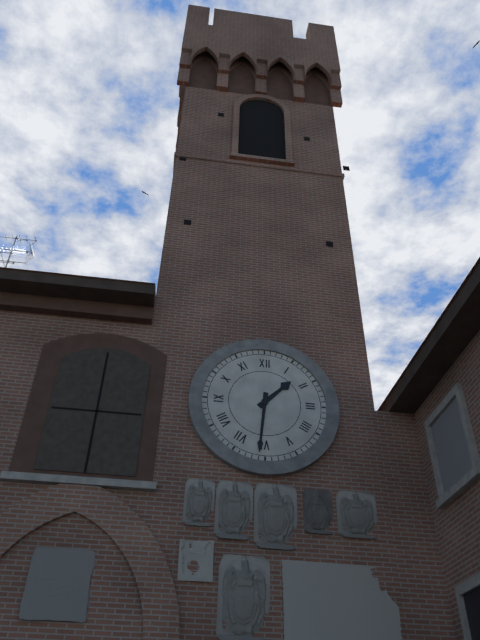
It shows {"hour": 1, "minute": 31}
